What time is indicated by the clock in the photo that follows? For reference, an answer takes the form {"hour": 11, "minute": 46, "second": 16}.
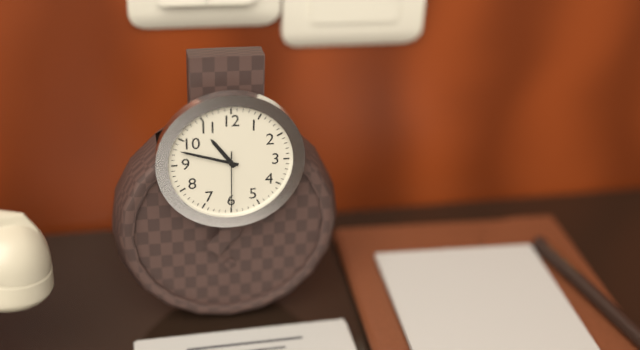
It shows {"hour": 10, "minute": 48, "second": 30}
